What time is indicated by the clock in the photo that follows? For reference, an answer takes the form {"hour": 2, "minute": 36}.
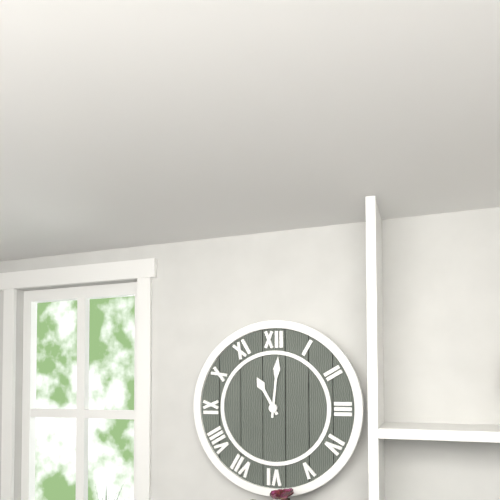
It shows {"hour": 11, "minute": 1}
